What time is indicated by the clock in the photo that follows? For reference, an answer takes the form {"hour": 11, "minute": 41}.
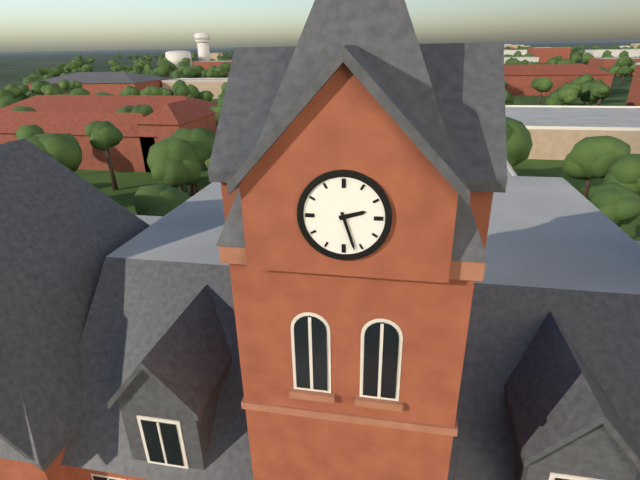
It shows {"hour": 2, "minute": 27}
